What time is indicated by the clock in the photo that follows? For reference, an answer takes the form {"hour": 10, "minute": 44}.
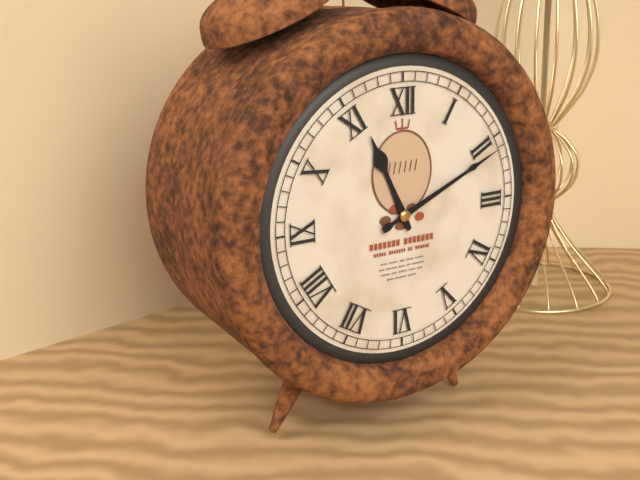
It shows {"hour": 11, "minute": 11}
